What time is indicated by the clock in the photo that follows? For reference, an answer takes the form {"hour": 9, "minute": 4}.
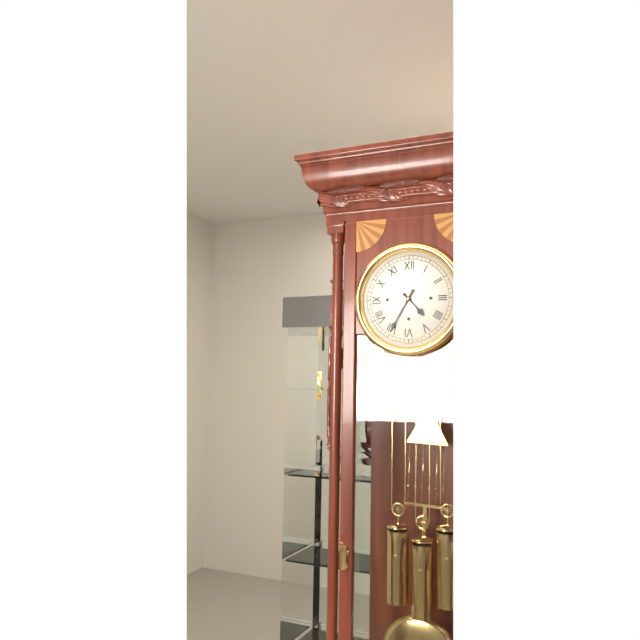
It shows {"hour": 4, "minute": 35}
